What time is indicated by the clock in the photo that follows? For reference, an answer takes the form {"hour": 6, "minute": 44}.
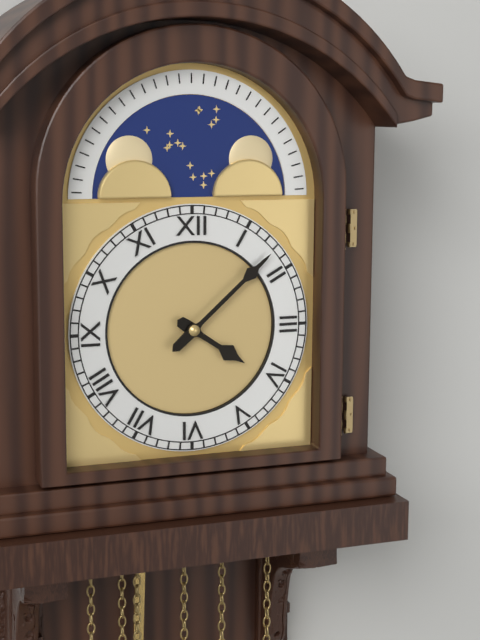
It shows {"hour": 4, "minute": 8}
